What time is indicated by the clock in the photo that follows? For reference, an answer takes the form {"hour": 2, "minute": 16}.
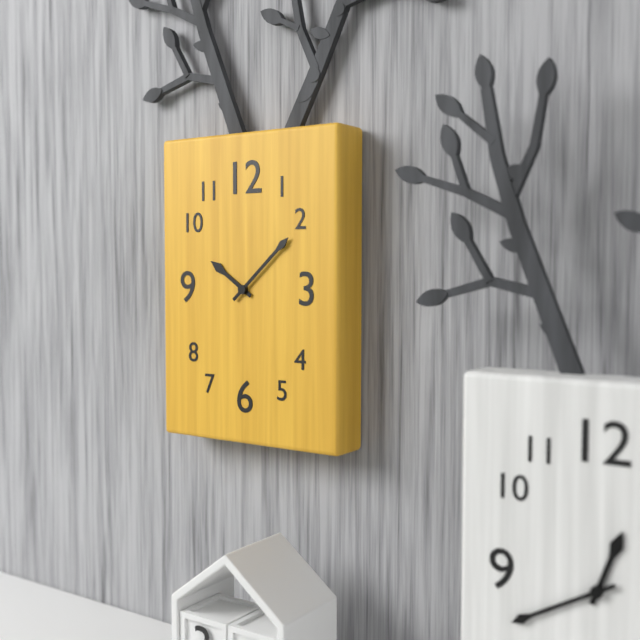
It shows {"hour": 10, "minute": 8}
